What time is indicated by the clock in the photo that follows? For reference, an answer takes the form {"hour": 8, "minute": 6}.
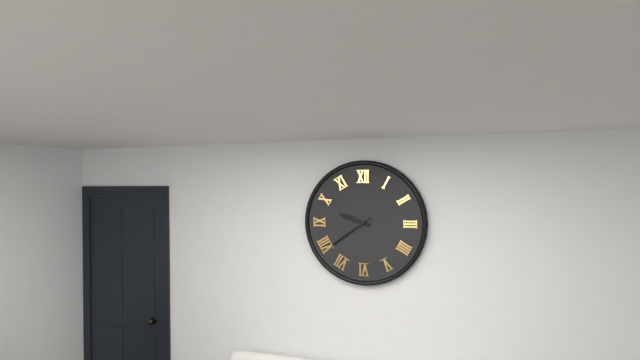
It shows {"hour": 9, "minute": 39}
